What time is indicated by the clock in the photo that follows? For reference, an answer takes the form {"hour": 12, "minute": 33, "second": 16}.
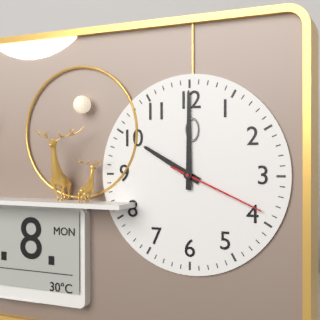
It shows {"hour": 10, "minute": 0, "second": 19}
